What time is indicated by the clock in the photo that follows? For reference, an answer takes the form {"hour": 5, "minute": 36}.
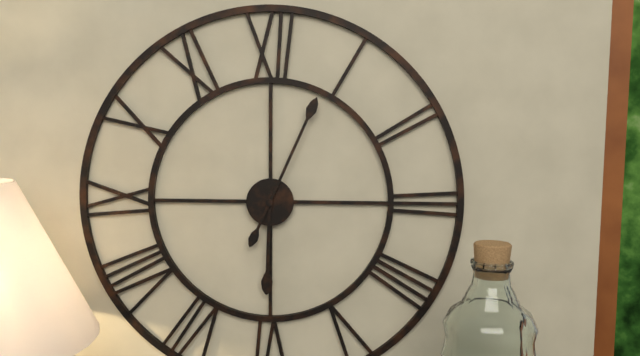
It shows {"hour": 6, "minute": 4}
